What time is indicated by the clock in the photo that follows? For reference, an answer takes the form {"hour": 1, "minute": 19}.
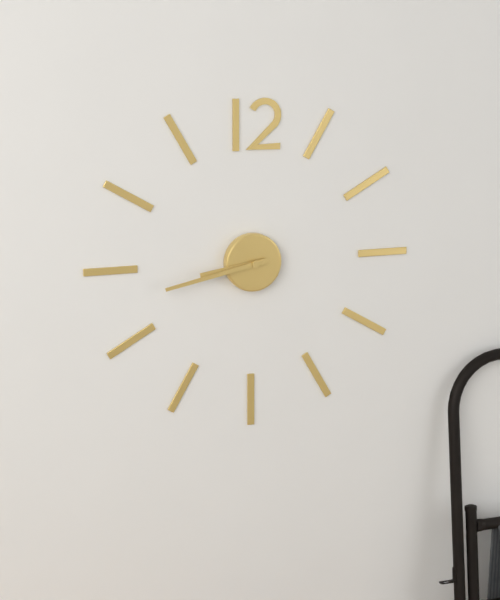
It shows {"hour": 8, "minute": 43}
